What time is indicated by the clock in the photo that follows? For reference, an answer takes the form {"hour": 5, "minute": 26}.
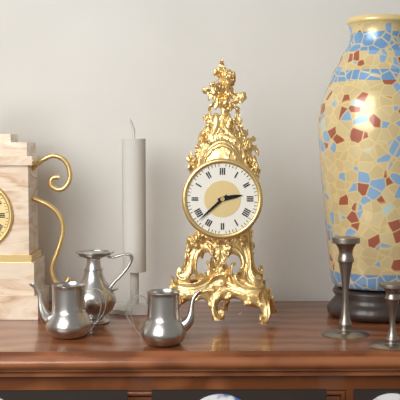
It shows {"hour": 2, "minute": 38}
